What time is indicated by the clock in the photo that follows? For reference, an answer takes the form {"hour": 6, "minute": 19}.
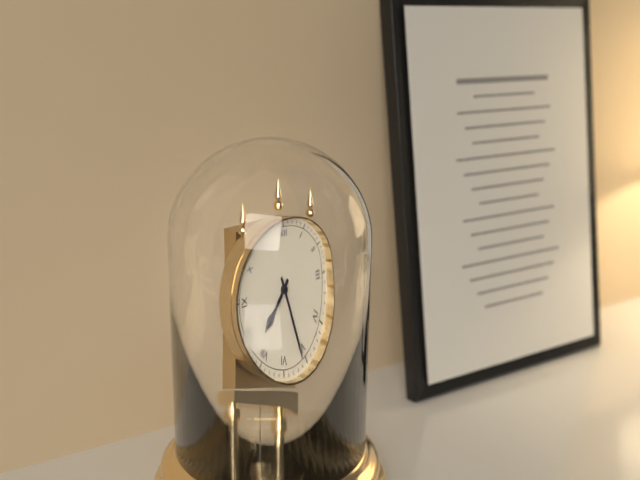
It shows {"hour": 7, "minute": 26}
